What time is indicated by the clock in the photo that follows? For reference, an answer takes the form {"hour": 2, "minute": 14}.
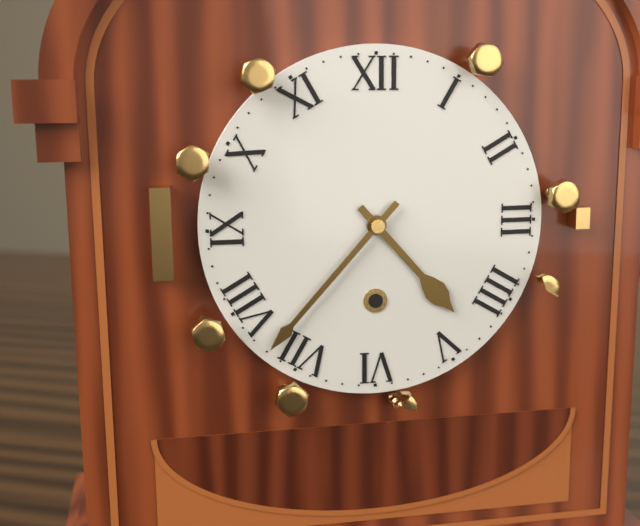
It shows {"hour": 4, "minute": 37}
